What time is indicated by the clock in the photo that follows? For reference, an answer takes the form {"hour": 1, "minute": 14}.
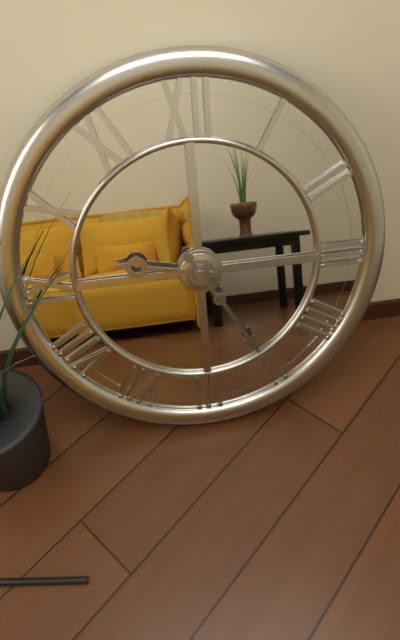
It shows {"hour": 9, "minute": 25}
